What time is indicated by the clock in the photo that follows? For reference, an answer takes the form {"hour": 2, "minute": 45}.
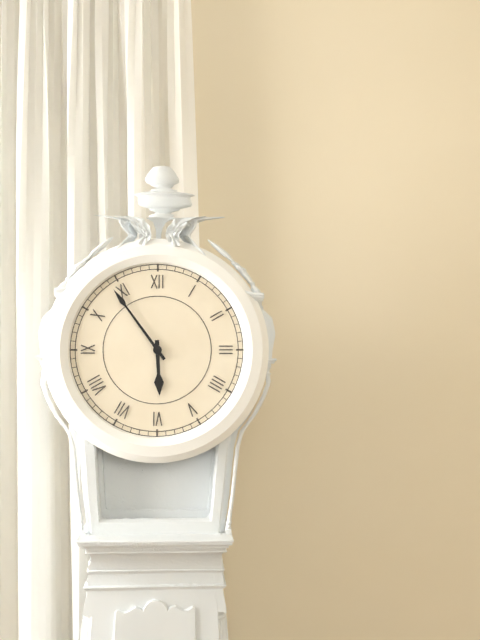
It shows {"hour": 5, "minute": 54}
